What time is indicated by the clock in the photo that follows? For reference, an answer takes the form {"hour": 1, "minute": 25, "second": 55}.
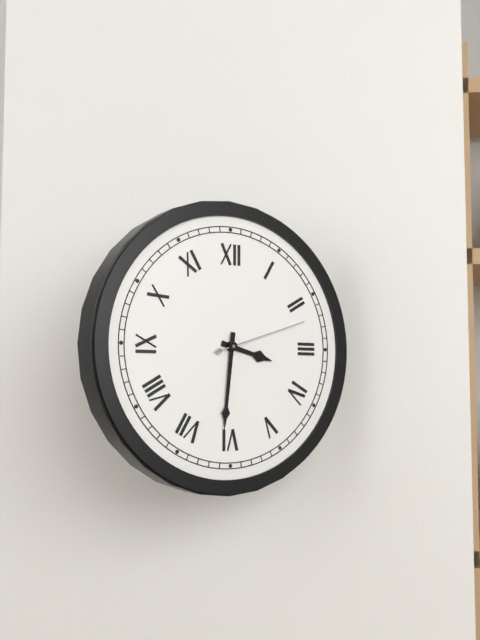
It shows {"hour": 3, "minute": 31, "second": 12}
